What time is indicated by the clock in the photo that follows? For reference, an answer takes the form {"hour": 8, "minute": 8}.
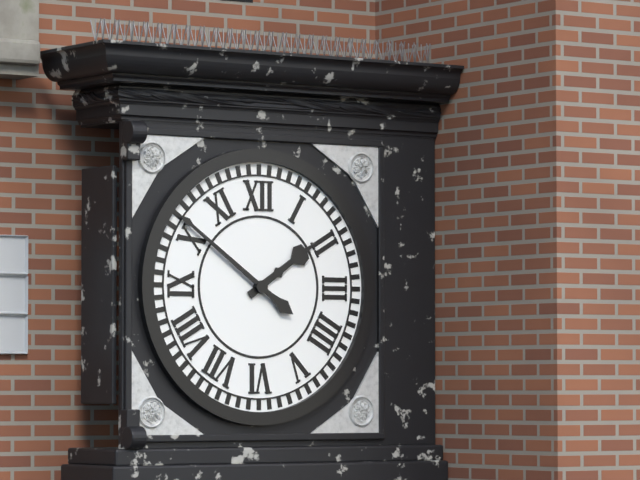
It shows {"hour": 1, "minute": 51}
